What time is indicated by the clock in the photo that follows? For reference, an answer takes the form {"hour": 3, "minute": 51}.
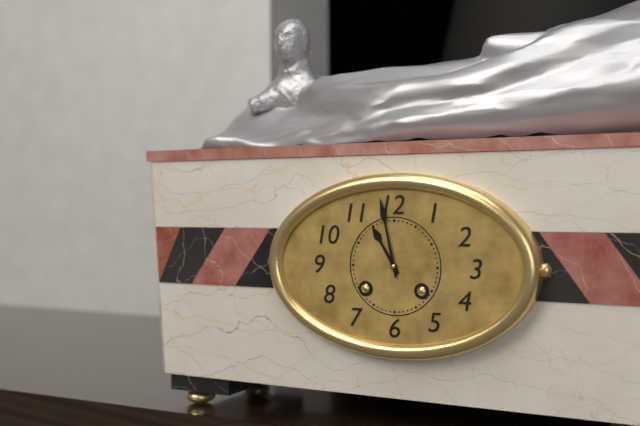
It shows {"hour": 10, "minute": 58}
